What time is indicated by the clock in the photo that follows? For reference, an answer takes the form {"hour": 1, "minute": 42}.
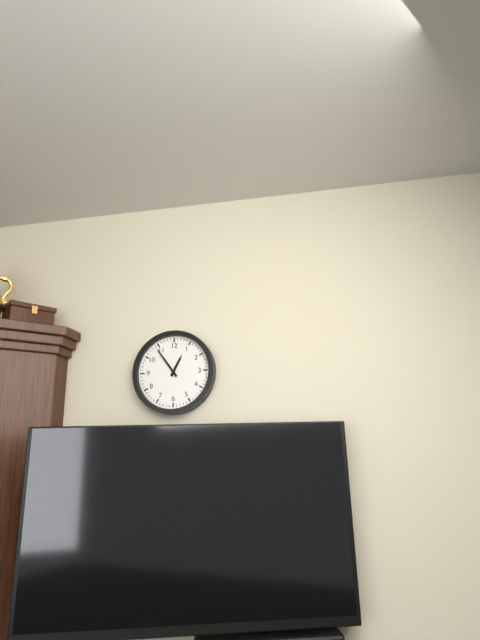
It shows {"hour": 12, "minute": 54}
